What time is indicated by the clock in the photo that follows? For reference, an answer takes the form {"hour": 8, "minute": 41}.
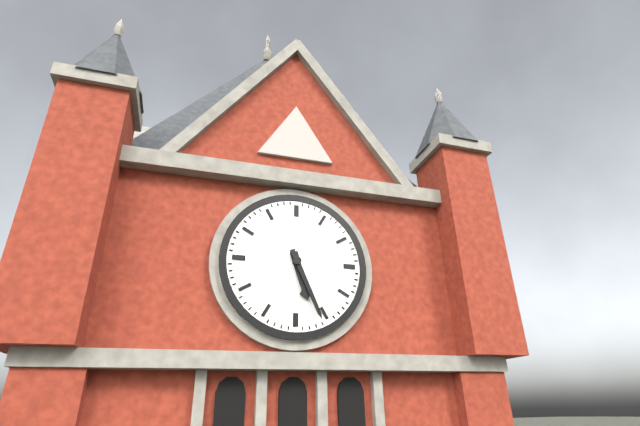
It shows {"hour": 5, "minute": 26}
